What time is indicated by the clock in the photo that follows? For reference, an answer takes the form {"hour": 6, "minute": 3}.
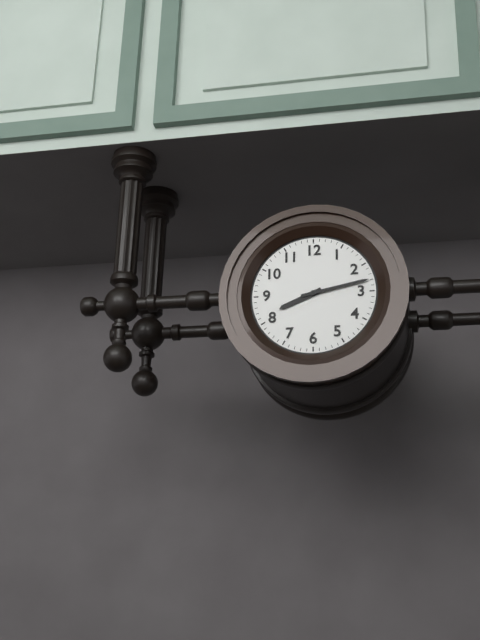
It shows {"hour": 8, "minute": 13}
